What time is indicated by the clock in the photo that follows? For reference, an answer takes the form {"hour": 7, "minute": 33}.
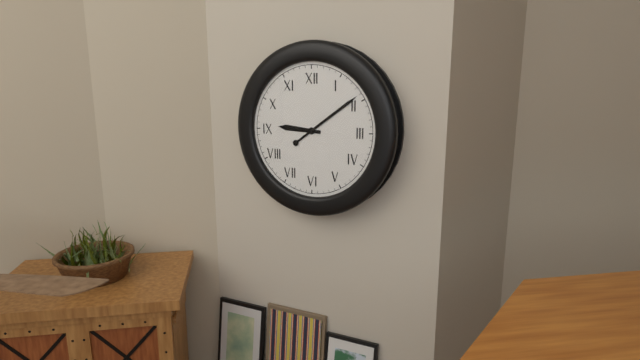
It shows {"hour": 9, "minute": 9}
